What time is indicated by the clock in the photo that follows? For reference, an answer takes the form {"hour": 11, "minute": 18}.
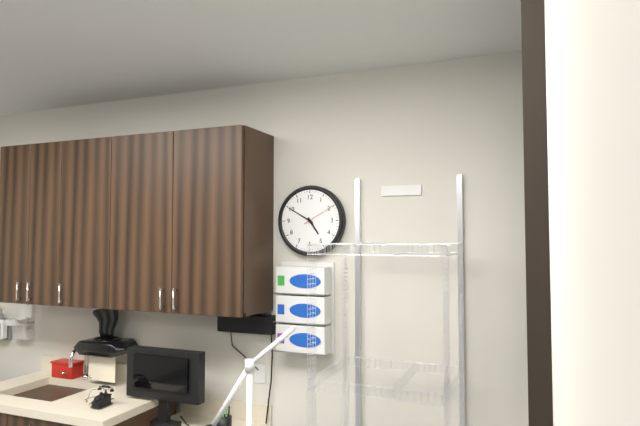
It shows {"hour": 4, "minute": 50}
